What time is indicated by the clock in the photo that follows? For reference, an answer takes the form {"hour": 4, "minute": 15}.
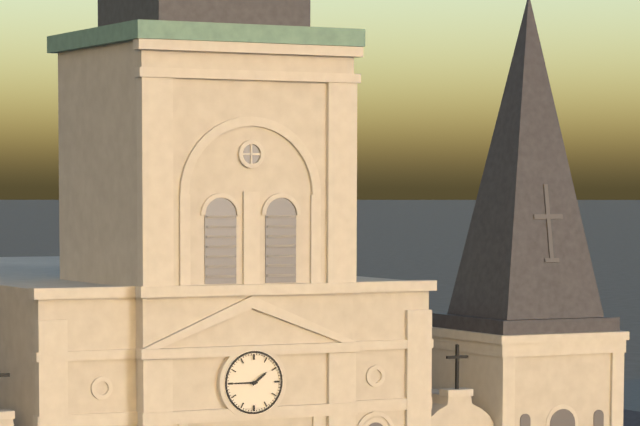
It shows {"hour": 1, "minute": 45}
